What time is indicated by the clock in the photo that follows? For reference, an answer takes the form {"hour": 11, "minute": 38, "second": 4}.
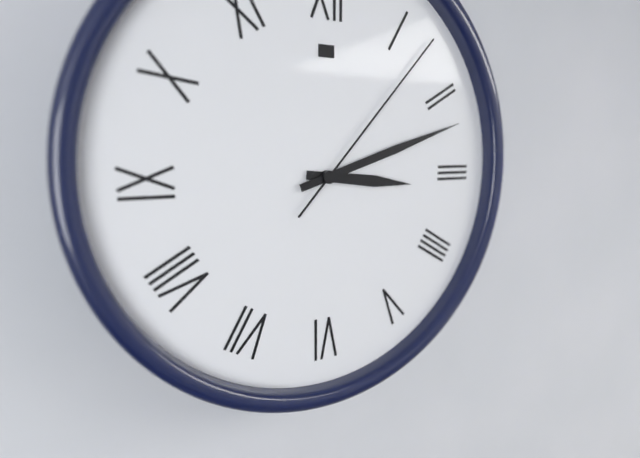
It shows {"hour": 3, "minute": 12, "second": 7}
